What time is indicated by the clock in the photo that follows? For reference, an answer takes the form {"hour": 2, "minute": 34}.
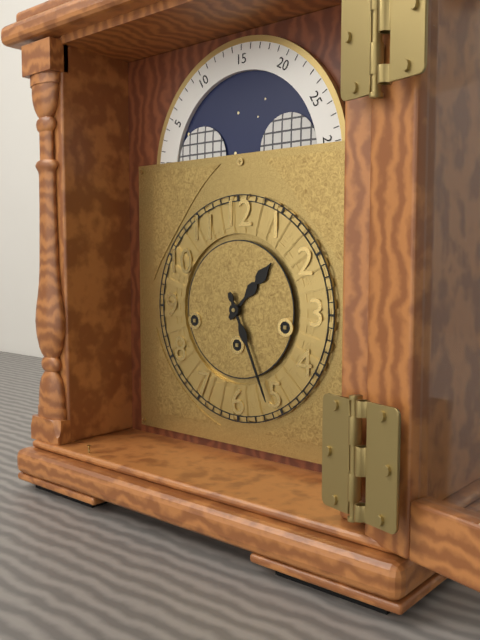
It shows {"hour": 1, "minute": 26}
